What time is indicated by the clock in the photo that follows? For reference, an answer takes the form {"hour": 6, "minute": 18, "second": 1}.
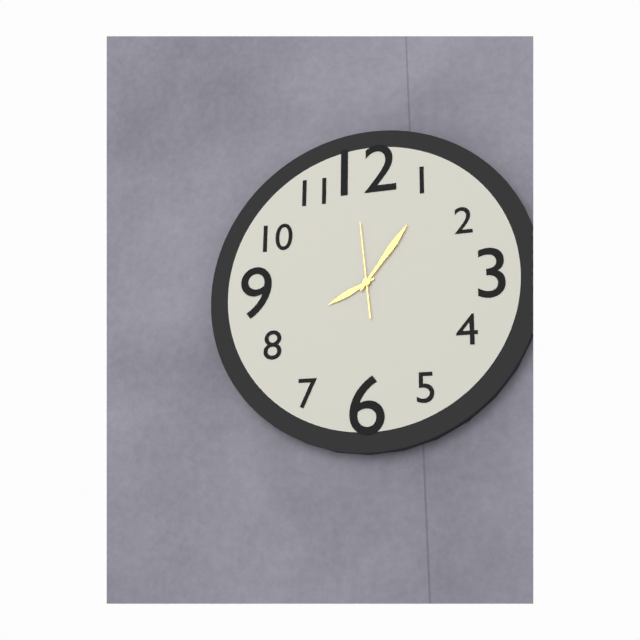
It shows {"hour": 8, "minute": 6, "second": 59}
